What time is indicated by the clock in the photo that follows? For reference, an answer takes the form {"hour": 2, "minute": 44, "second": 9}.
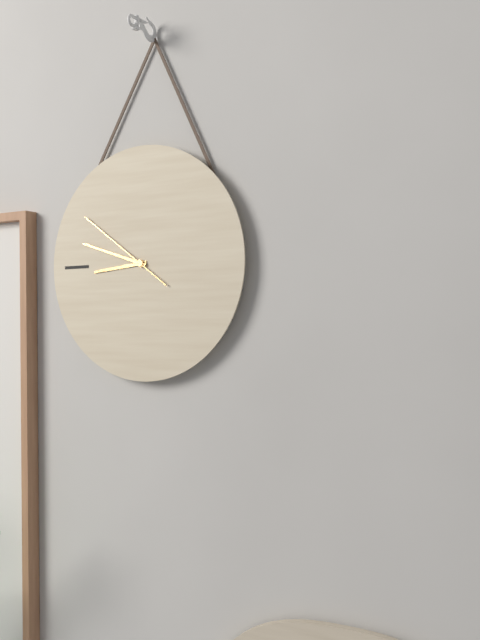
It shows {"hour": 8, "minute": 48, "second": 51}
